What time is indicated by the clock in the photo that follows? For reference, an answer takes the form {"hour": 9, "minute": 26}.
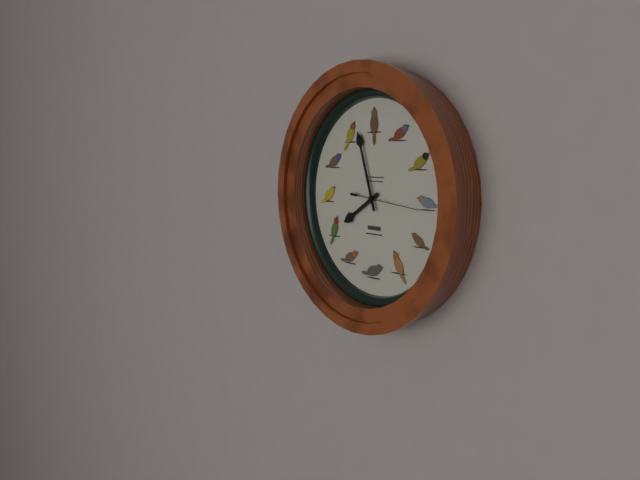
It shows {"hour": 7, "minute": 57}
